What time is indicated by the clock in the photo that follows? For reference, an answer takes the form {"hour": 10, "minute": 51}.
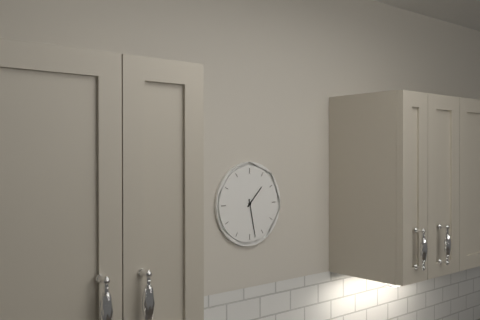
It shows {"hour": 1, "minute": 28}
